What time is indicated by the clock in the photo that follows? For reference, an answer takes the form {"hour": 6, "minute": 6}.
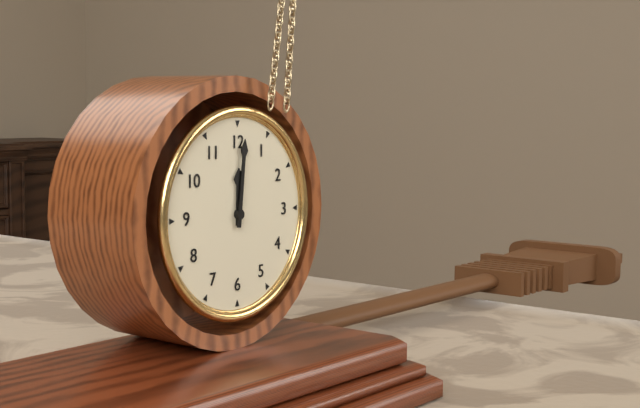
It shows {"hour": 12, "minute": 1}
